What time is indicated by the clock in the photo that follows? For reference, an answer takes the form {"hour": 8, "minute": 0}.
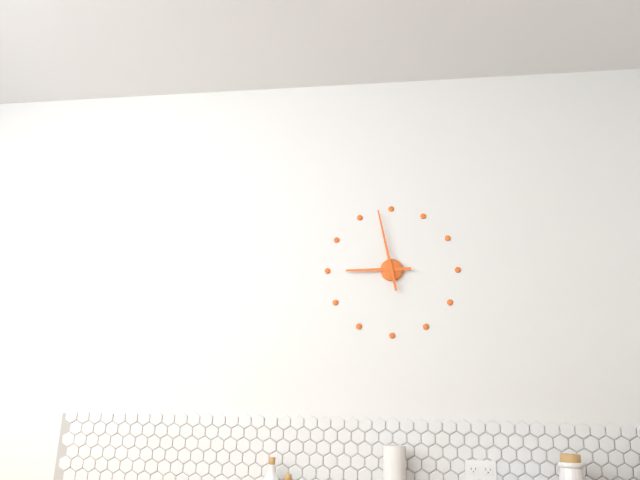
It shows {"hour": 8, "minute": 58}
